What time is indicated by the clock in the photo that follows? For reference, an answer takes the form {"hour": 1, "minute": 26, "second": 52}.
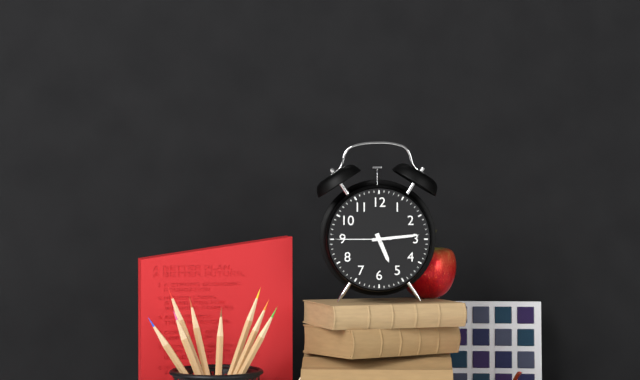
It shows {"hour": 5, "minute": 14, "second": 45}
